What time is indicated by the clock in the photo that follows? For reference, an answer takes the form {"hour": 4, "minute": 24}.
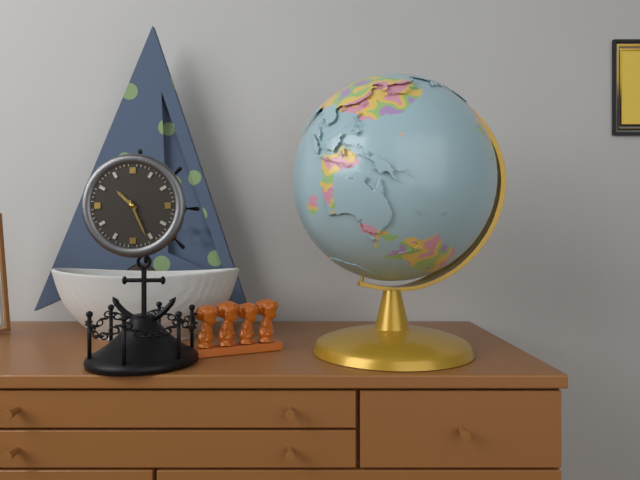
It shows {"hour": 10, "minute": 26}
